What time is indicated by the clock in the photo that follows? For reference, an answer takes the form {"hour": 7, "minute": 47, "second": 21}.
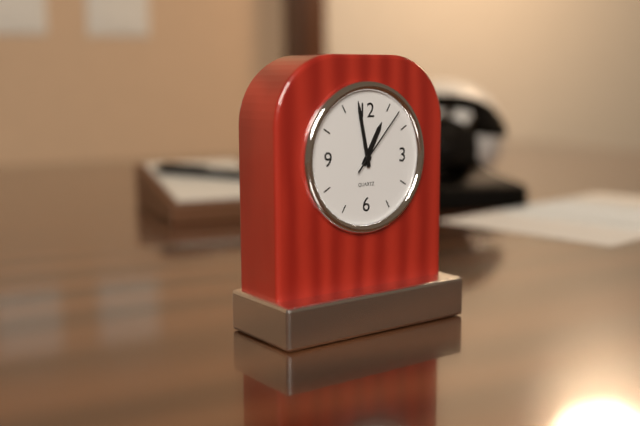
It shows {"hour": 12, "minute": 58, "second": 7}
